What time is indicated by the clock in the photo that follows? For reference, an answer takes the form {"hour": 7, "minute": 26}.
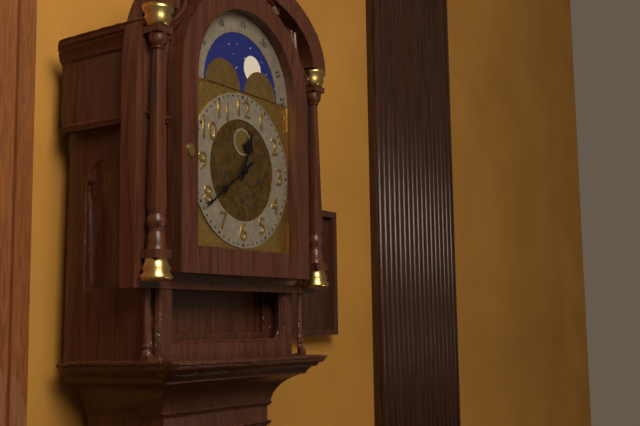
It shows {"hour": 12, "minute": 39}
